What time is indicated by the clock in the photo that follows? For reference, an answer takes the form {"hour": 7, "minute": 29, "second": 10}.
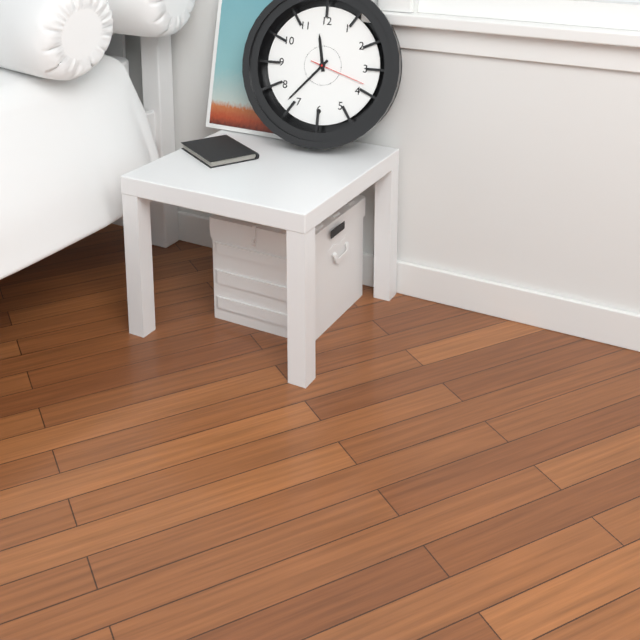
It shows {"hour": 11, "minute": 37, "second": 18}
